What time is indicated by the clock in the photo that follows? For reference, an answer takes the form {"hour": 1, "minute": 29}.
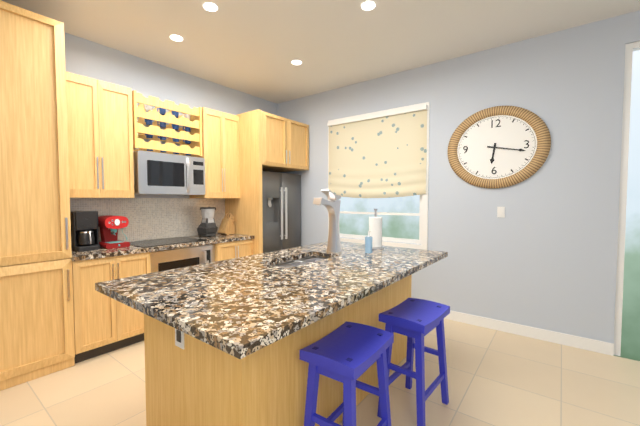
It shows {"hour": 6, "minute": 17}
